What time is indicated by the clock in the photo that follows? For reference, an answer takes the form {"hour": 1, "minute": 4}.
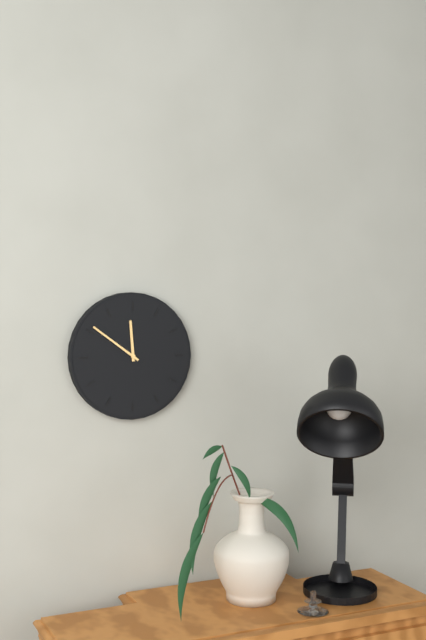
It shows {"hour": 11, "minute": 51}
